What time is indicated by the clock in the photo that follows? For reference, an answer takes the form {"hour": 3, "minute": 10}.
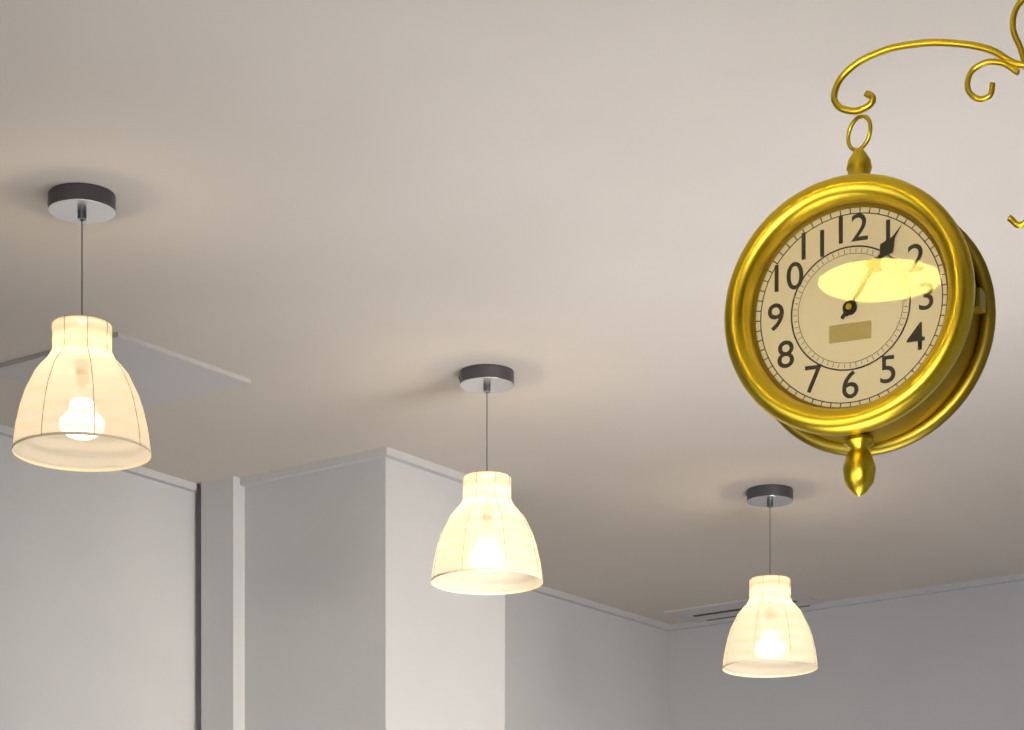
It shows {"hour": 1, "minute": 6}
